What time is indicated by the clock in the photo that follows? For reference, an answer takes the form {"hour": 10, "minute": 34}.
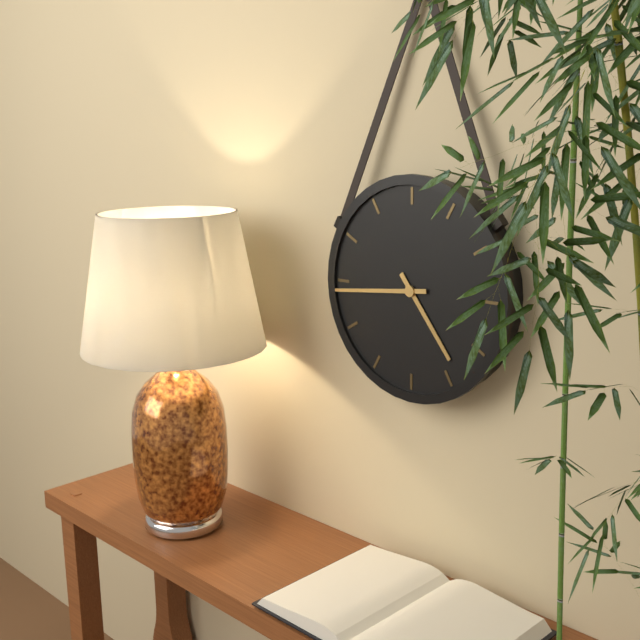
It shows {"hour": 4, "minute": 44}
